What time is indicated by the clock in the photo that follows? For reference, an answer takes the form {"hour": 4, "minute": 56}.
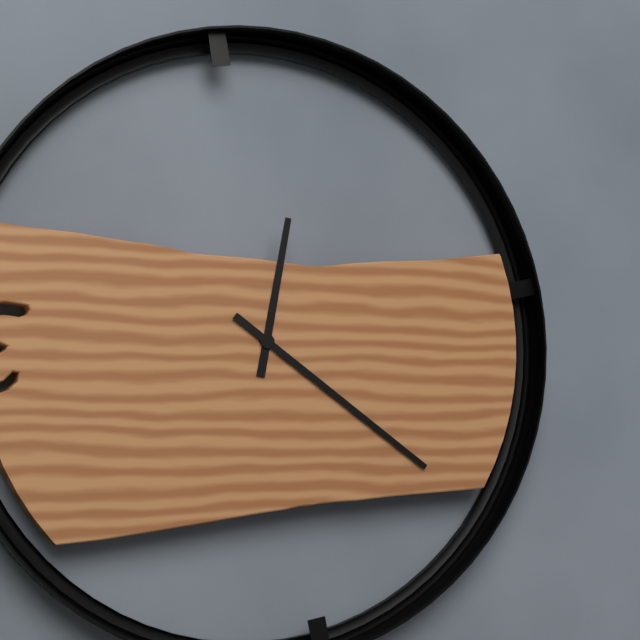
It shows {"hour": 12, "minute": 21}
